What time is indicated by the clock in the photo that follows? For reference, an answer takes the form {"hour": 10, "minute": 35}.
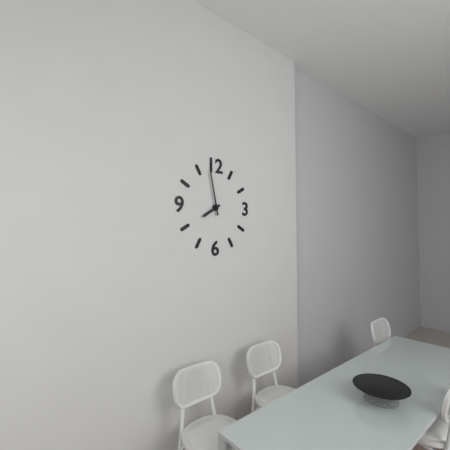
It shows {"hour": 7, "minute": 58}
